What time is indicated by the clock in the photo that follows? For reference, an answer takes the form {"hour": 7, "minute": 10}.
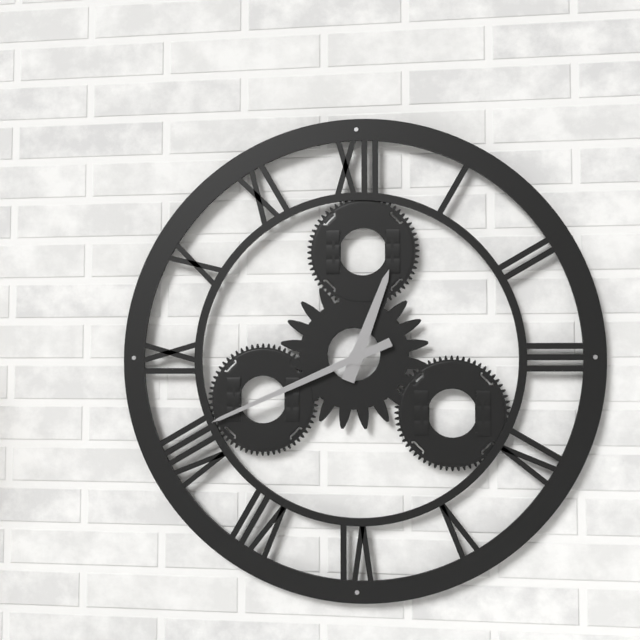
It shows {"hour": 12, "minute": 41}
